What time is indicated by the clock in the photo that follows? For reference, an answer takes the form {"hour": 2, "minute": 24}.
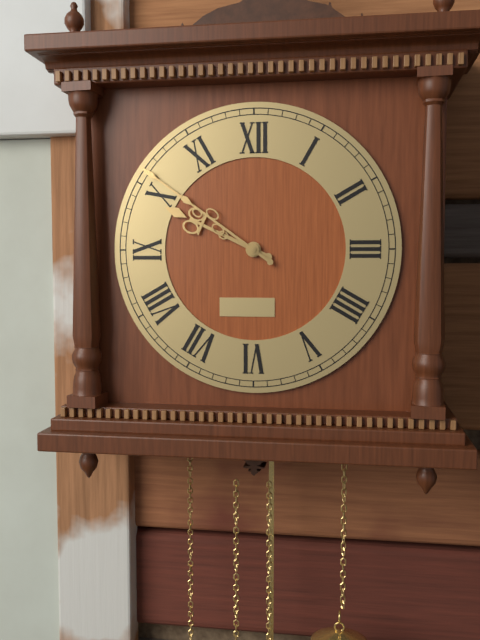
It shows {"hour": 9, "minute": 51}
